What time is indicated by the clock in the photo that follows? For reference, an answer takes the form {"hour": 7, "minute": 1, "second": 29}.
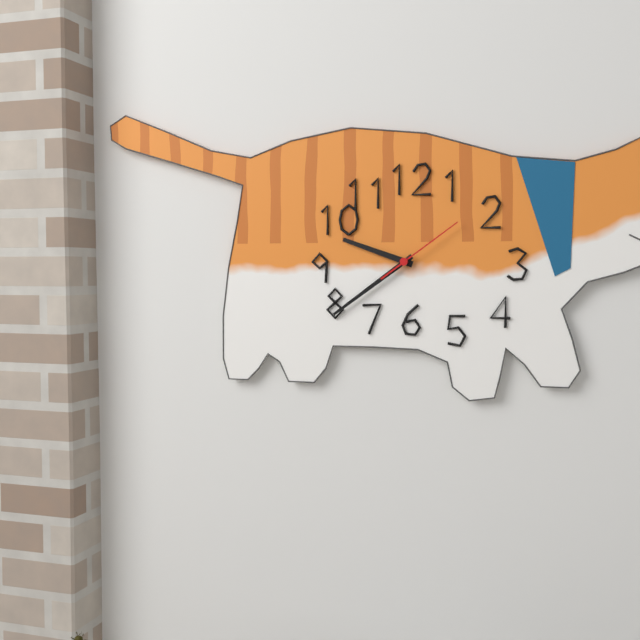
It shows {"hour": 9, "minute": 39, "second": 9}
